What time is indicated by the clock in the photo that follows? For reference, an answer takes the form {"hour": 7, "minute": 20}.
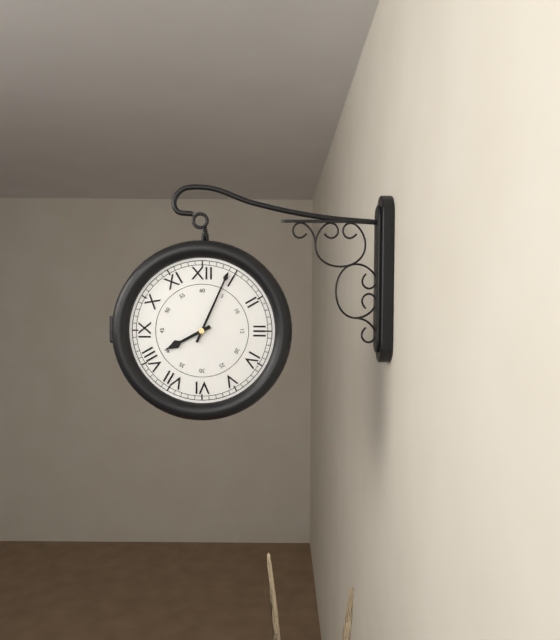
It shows {"hour": 8, "minute": 4}
